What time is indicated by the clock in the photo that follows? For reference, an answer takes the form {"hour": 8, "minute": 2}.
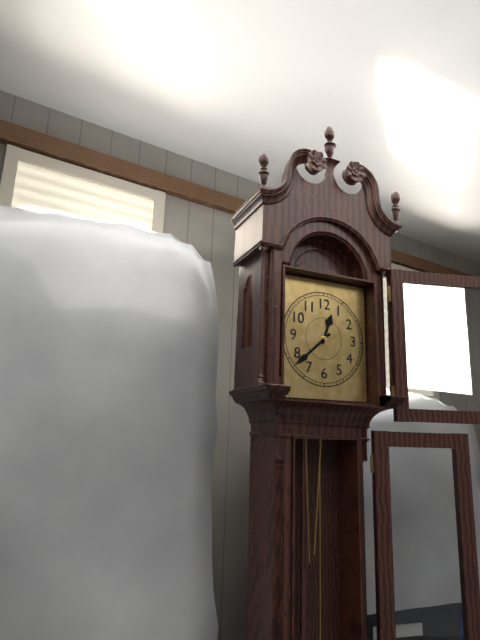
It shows {"hour": 12, "minute": 38}
